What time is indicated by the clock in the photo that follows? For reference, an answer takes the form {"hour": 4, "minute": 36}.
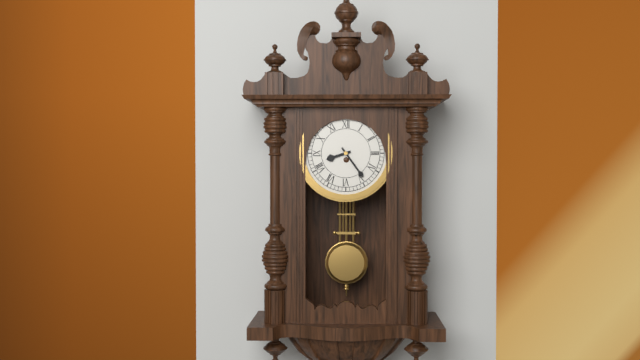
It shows {"hour": 8, "minute": 24}
